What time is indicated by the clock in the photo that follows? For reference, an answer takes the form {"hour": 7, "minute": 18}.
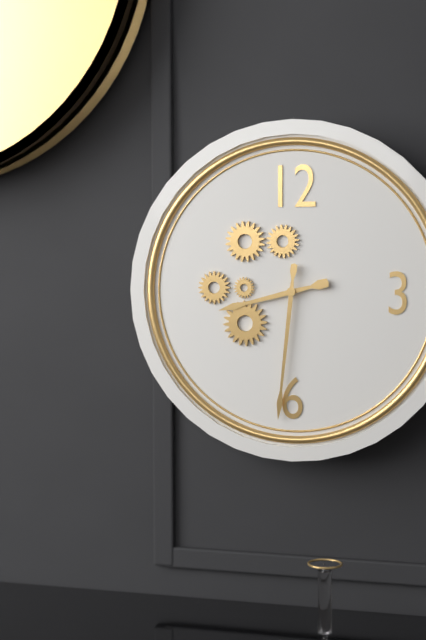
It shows {"hour": 8, "minute": 31}
